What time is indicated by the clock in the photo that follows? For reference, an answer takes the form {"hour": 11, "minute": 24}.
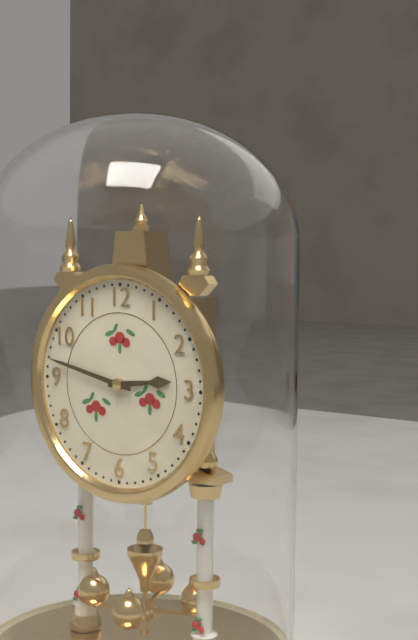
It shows {"hour": 2, "minute": 47}
